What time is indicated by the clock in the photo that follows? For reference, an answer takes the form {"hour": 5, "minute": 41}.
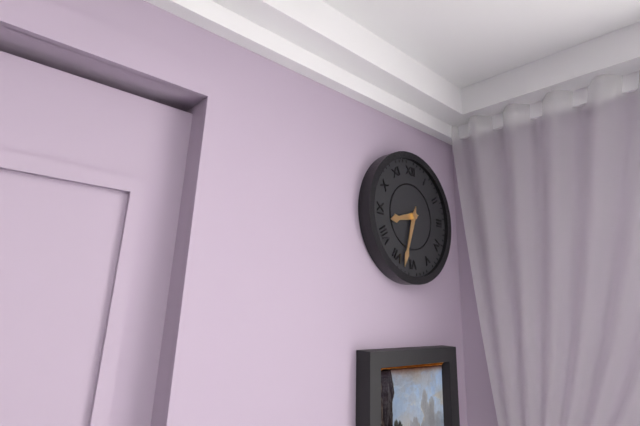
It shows {"hour": 8, "minute": 33}
